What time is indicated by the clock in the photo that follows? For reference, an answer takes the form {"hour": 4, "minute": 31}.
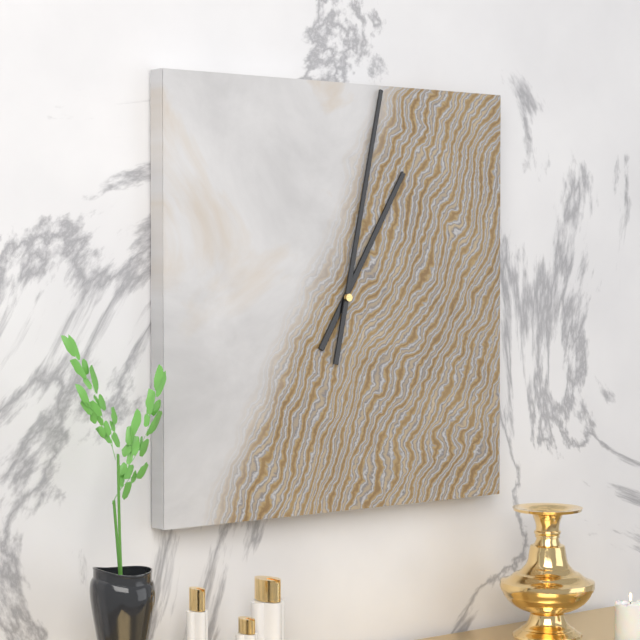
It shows {"hour": 1, "minute": 2}
